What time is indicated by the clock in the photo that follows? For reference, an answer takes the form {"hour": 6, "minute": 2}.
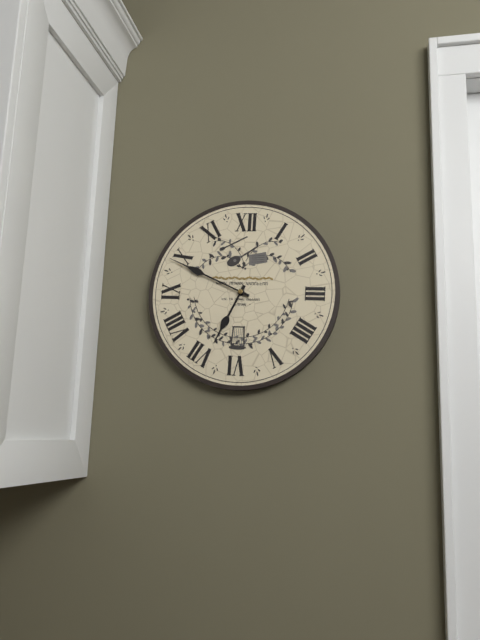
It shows {"hour": 6, "minute": 49}
